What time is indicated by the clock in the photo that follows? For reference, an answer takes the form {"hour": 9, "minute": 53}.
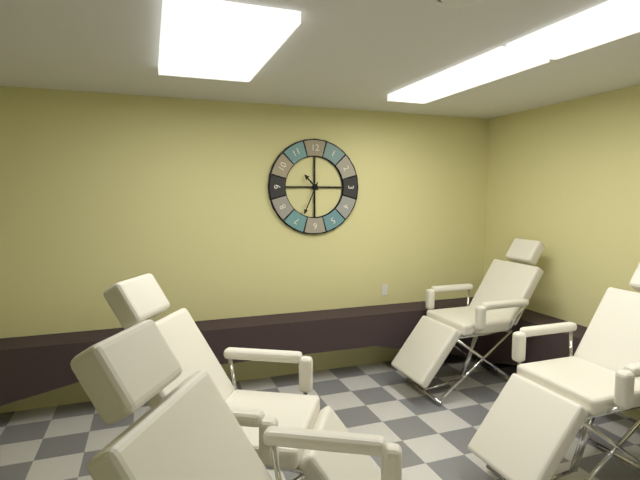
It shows {"hour": 10, "minute": 34}
